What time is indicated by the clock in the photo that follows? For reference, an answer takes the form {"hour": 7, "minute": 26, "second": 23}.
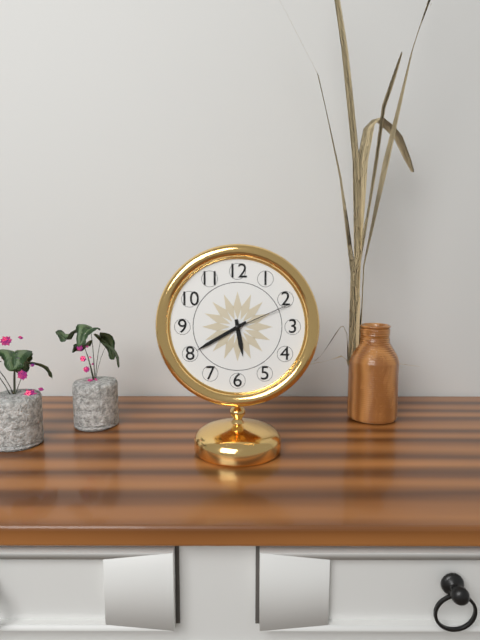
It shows {"hour": 5, "minute": 40, "second": 11}
